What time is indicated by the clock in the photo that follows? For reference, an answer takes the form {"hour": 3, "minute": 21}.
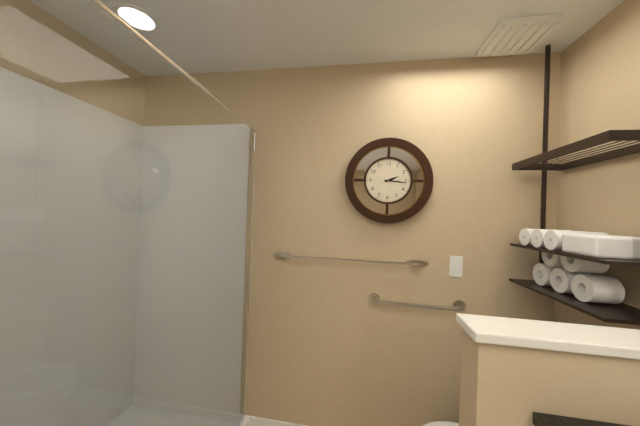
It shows {"hour": 2, "minute": 16}
